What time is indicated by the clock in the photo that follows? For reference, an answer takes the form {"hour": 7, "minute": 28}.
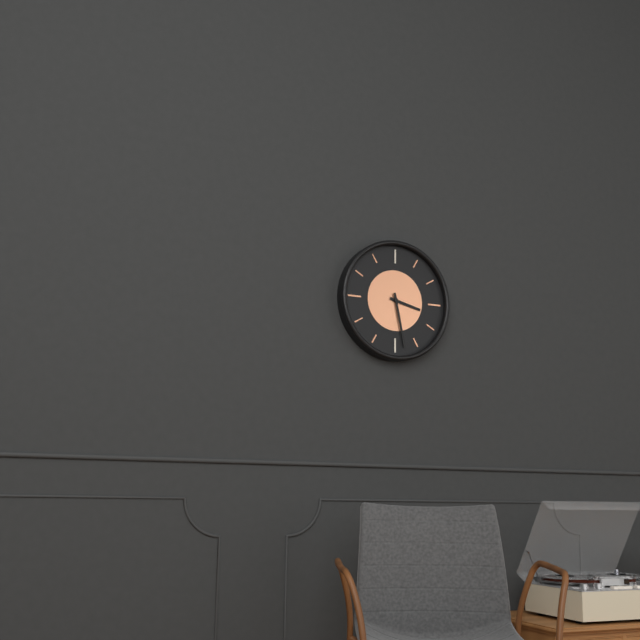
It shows {"hour": 3, "minute": 28}
